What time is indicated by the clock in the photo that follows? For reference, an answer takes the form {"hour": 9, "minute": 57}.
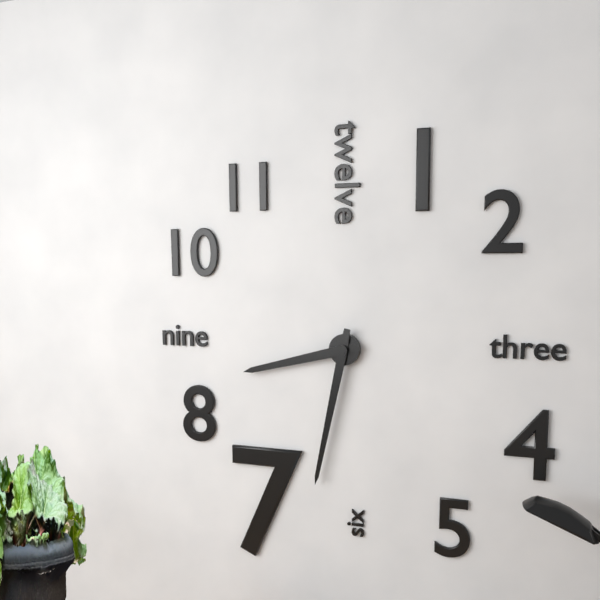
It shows {"hour": 8, "minute": 32}
